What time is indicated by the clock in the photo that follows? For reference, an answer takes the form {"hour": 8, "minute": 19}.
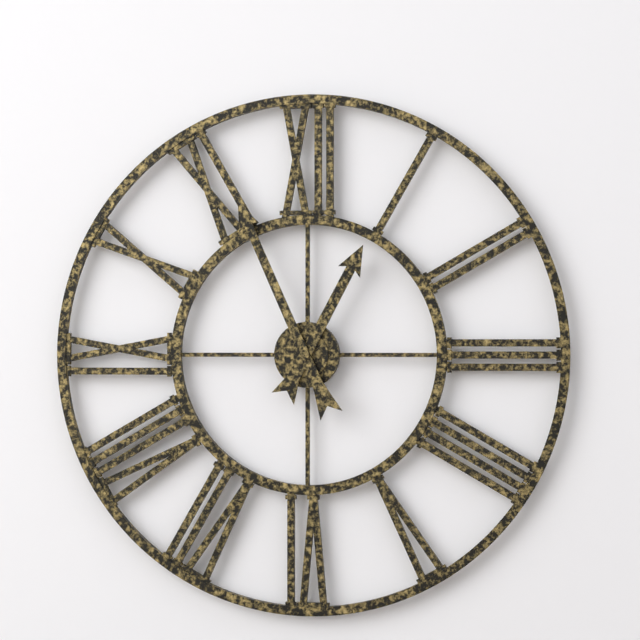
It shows {"hour": 12, "minute": 56}
